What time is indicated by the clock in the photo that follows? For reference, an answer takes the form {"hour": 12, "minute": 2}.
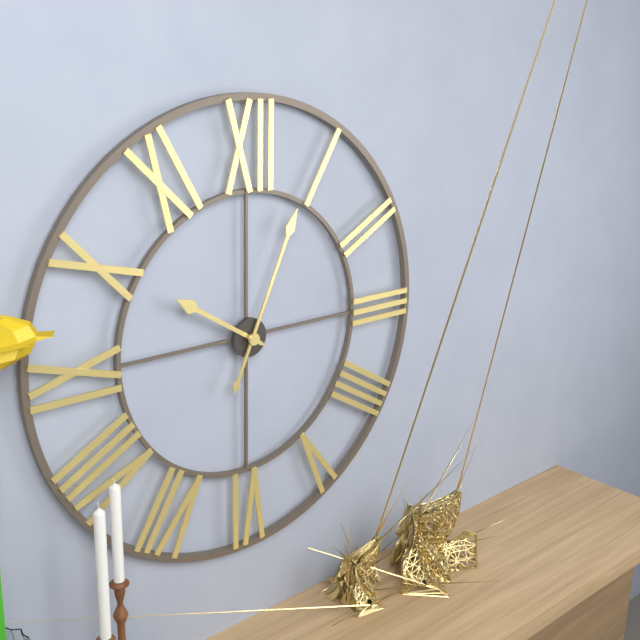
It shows {"hour": 10, "minute": 4}
